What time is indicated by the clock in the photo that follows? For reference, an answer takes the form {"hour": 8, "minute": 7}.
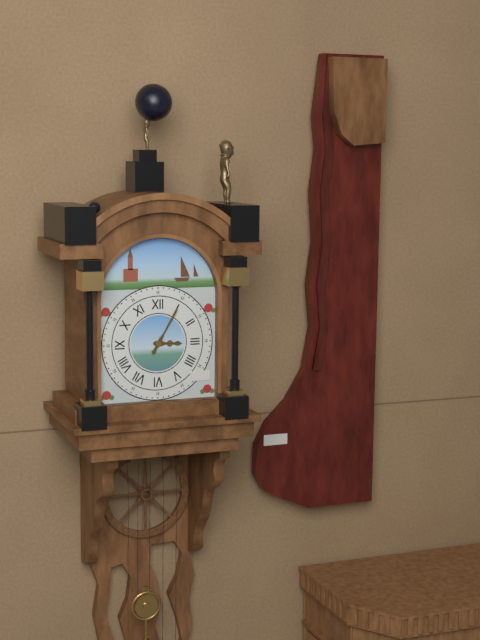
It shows {"hour": 3, "minute": 5}
